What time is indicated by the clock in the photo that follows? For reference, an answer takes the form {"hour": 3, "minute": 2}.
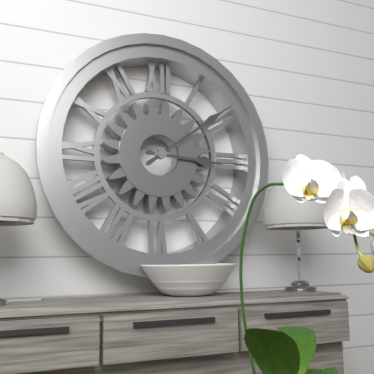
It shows {"hour": 3, "minute": 9}
